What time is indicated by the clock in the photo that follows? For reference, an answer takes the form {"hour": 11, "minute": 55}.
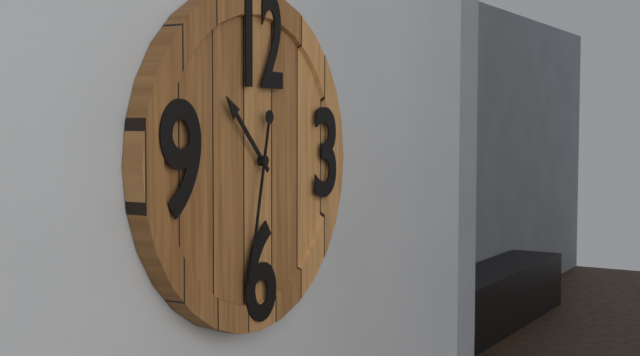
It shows {"hour": 10, "minute": 32}
